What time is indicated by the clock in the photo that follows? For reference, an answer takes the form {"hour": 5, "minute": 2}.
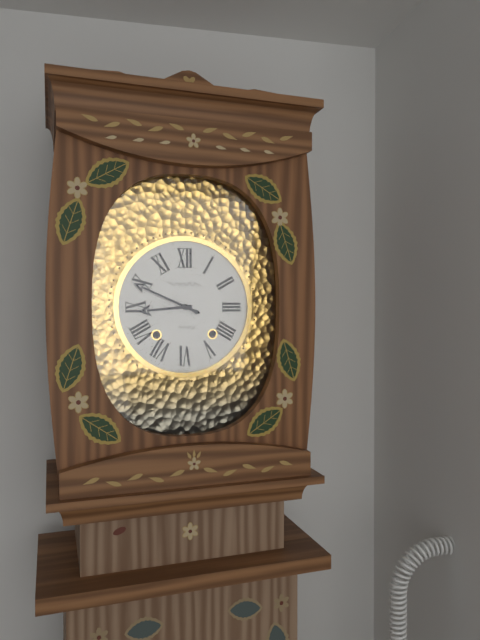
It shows {"hour": 8, "minute": 49}
